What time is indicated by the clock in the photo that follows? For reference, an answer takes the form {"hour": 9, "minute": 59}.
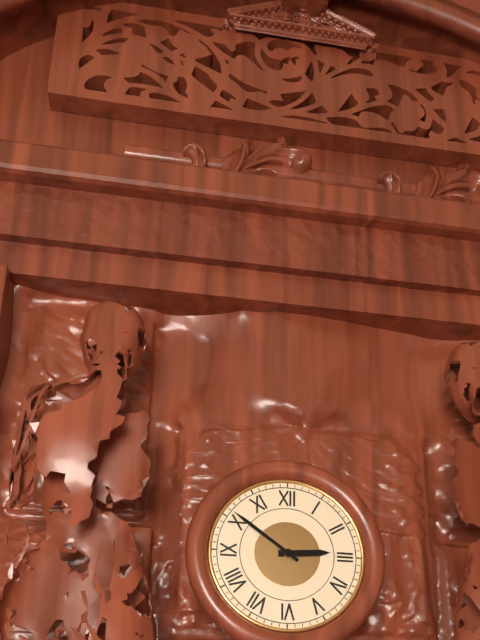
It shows {"hour": 2, "minute": 51}
